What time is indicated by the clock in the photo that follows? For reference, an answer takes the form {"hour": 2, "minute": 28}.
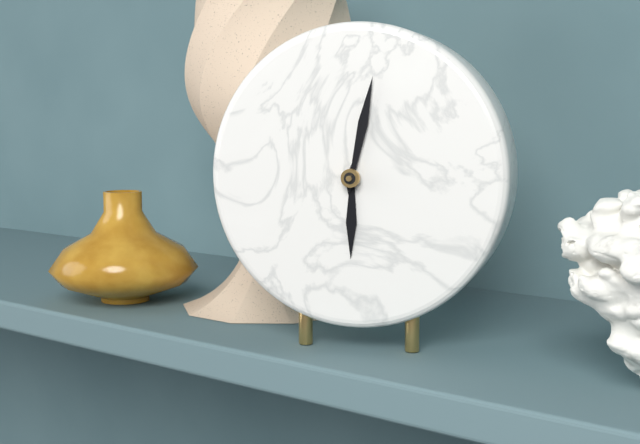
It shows {"hour": 6, "minute": 2}
